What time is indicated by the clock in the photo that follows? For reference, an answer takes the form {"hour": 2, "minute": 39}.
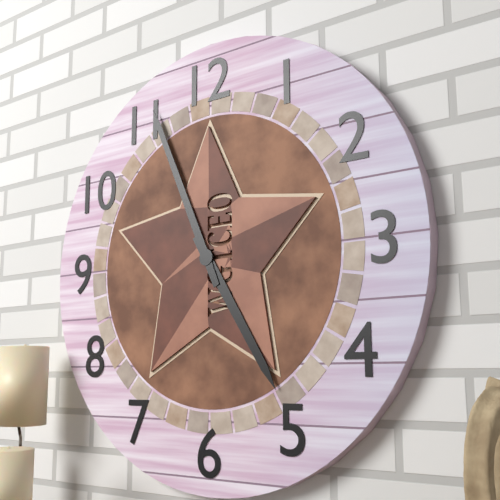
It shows {"hour": 4, "minute": 56}
